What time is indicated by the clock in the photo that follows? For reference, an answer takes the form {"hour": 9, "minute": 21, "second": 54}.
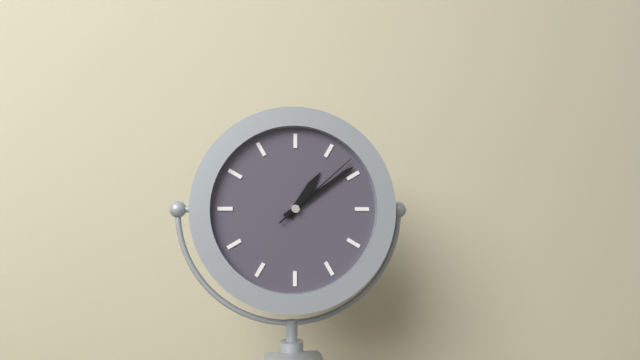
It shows {"hour": 1, "minute": 9, "second": 8}
